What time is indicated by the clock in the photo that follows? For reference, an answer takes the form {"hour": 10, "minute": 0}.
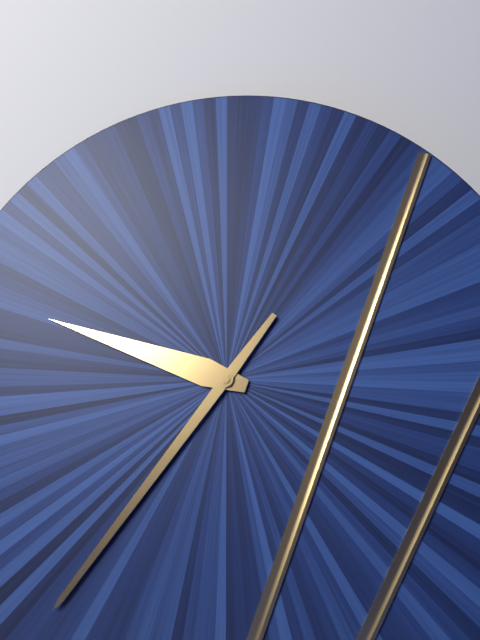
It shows {"hour": 9, "minute": 36}
